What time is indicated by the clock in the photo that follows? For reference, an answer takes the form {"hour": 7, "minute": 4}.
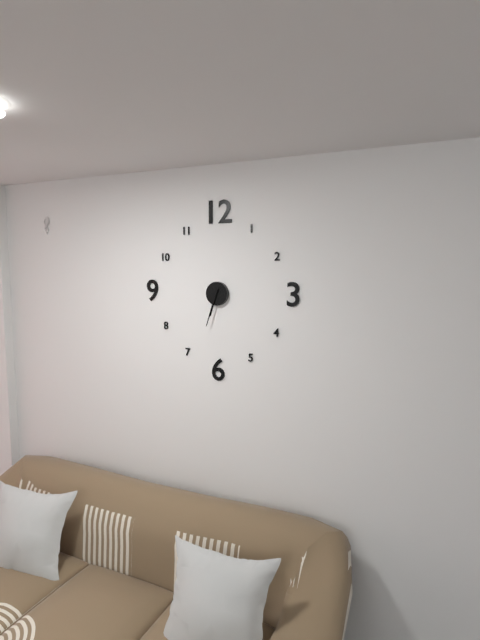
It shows {"hour": 6, "minute": 33}
